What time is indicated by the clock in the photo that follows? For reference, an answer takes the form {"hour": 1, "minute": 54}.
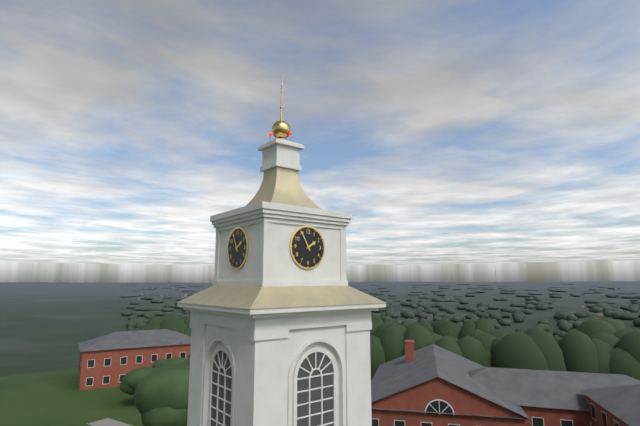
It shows {"hour": 1, "minute": 55}
